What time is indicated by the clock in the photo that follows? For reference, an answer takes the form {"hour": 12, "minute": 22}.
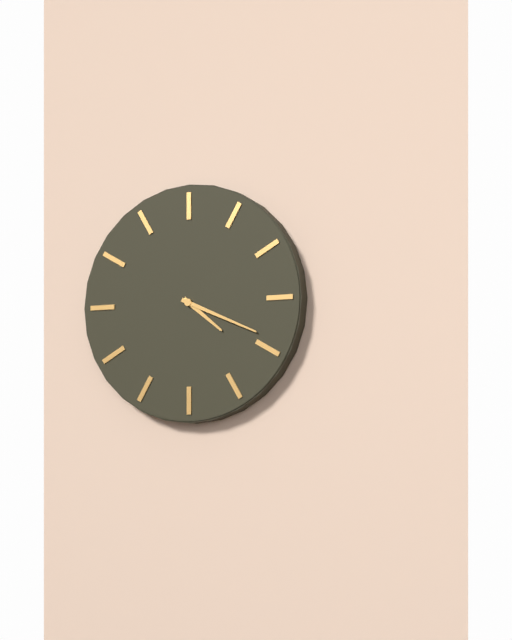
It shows {"hour": 4, "minute": 19}
